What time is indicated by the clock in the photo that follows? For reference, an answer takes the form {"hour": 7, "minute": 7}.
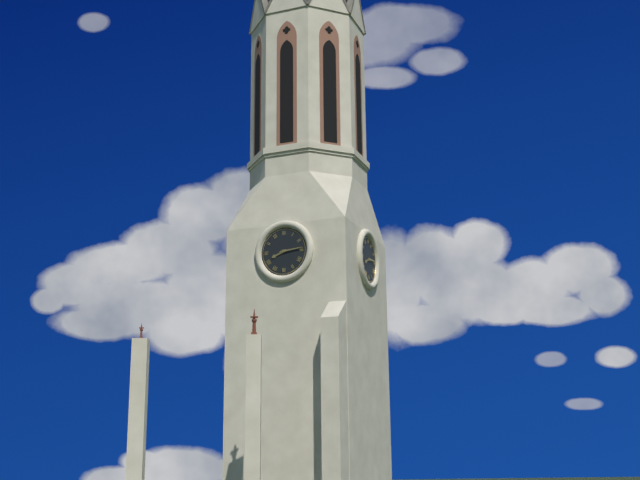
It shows {"hour": 8, "minute": 14}
